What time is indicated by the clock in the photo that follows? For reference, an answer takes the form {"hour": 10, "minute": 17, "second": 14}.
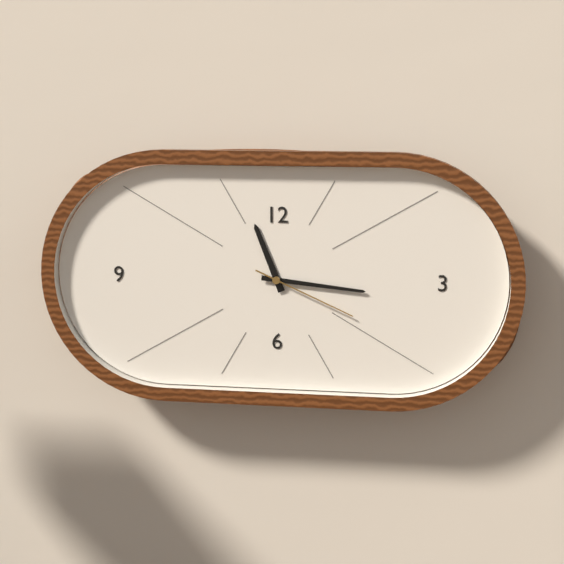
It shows {"hour": 11, "minute": 16, "second": 19}
